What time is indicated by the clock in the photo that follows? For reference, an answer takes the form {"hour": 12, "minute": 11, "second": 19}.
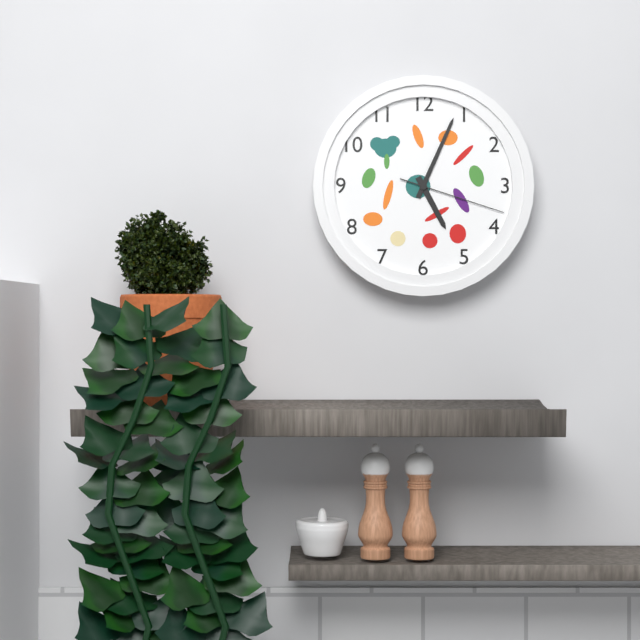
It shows {"hour": 5, "minute": 4, "second": 18}
